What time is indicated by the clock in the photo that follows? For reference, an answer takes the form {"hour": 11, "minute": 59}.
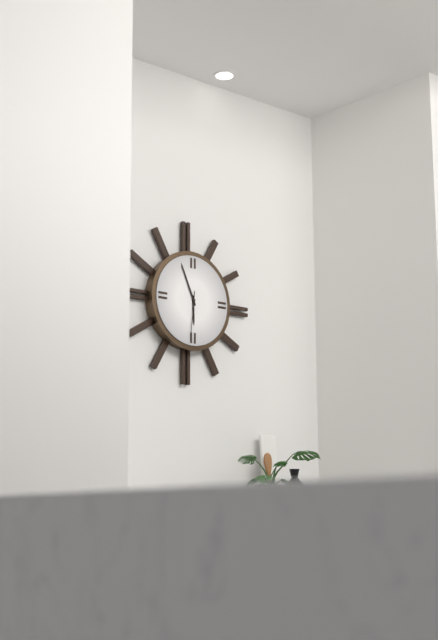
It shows {"hour": 5, "minute": 56}
